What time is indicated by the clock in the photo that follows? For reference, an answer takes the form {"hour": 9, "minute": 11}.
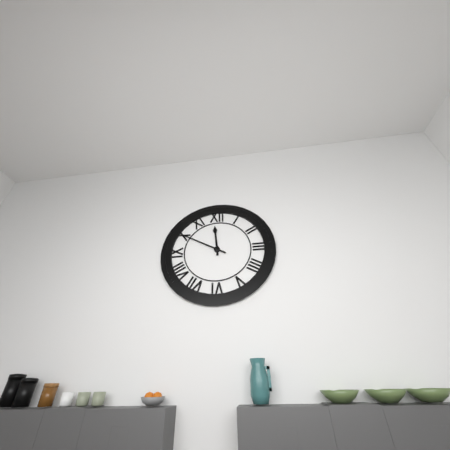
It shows {"hour": 11, "minute": 50}
